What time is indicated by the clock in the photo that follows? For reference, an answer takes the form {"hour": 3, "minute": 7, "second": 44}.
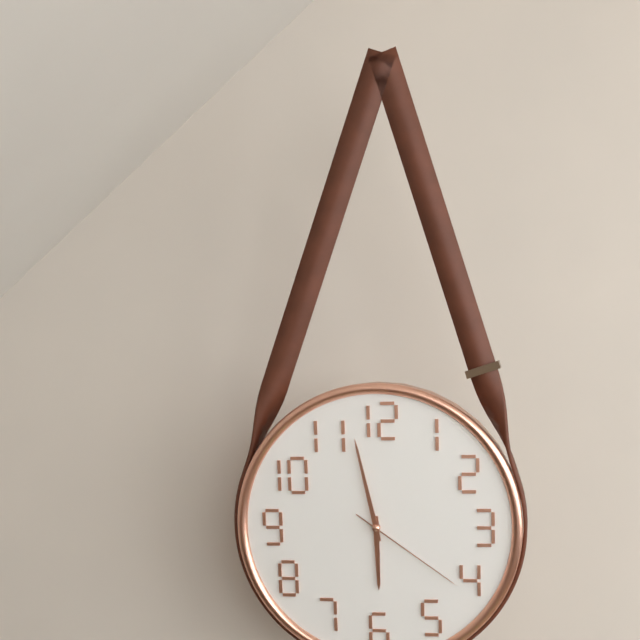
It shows {"hour": 5, "minute": 58, "second": 21}
